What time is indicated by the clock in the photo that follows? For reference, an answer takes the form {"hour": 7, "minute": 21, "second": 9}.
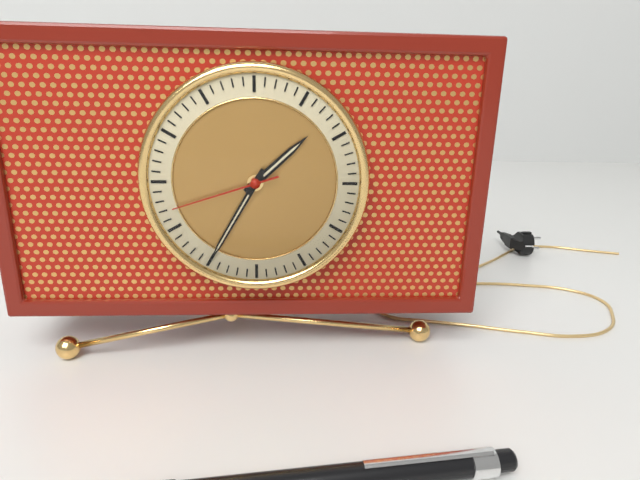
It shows {"hour": 1, "minute": 35, "second": 42}
